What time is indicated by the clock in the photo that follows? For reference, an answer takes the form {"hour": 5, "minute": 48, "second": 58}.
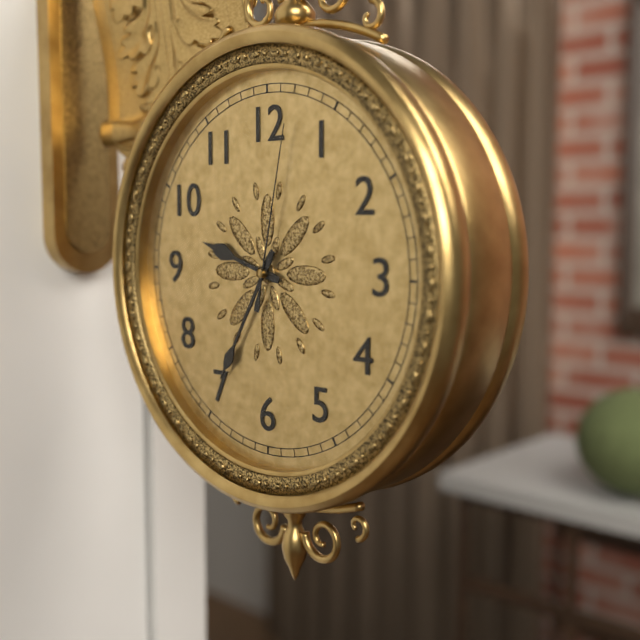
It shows {"hour": 9, "minute": 35, "second": 2}
